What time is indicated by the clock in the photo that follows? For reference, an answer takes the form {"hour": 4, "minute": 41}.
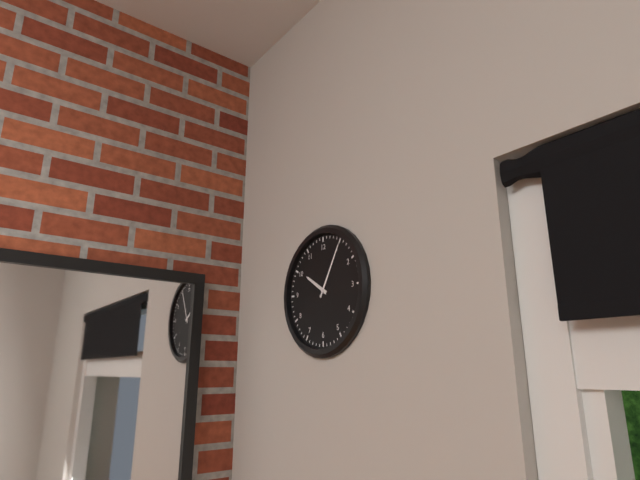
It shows {"hour": 10, "minute": 5}
